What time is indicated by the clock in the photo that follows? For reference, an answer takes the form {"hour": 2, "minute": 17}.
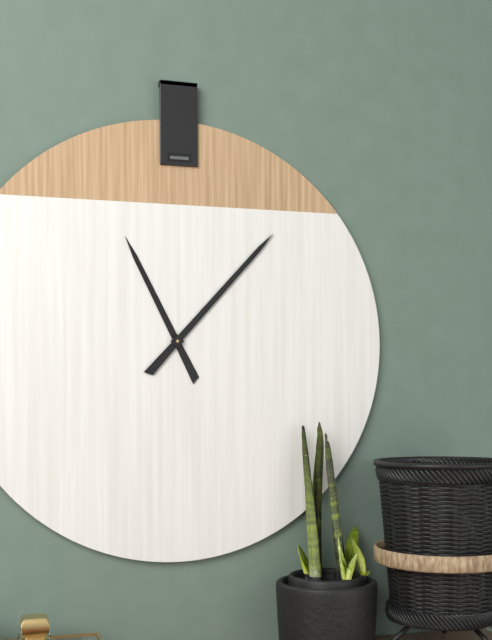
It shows {"hour": 11, "minute": 7}
